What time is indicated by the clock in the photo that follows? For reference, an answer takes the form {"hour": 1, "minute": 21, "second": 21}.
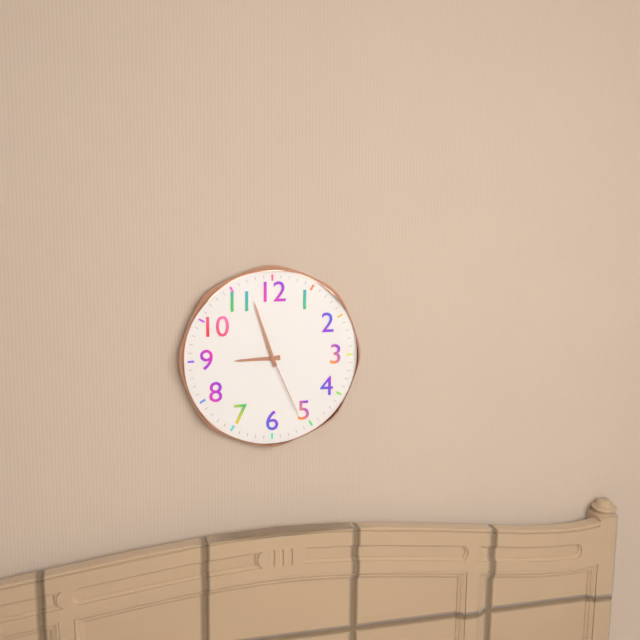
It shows {"hour": 8, "minute": 57, "second": 26}
